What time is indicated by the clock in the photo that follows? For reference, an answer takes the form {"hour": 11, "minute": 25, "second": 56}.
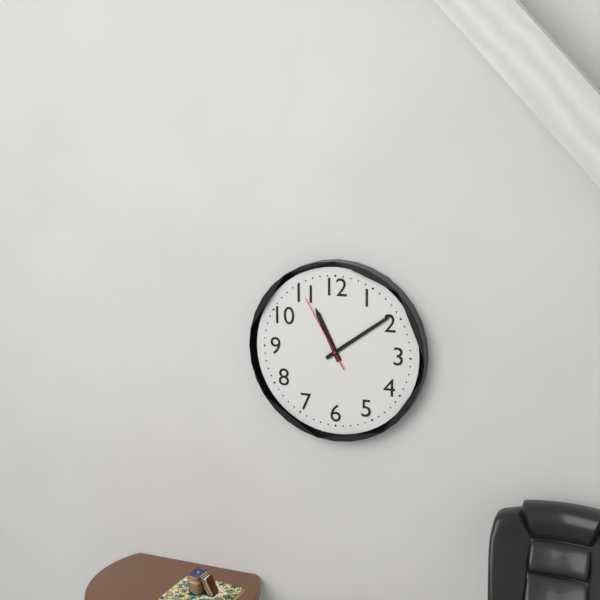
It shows {"hour": 11, "minute": 9, "second": 55}
